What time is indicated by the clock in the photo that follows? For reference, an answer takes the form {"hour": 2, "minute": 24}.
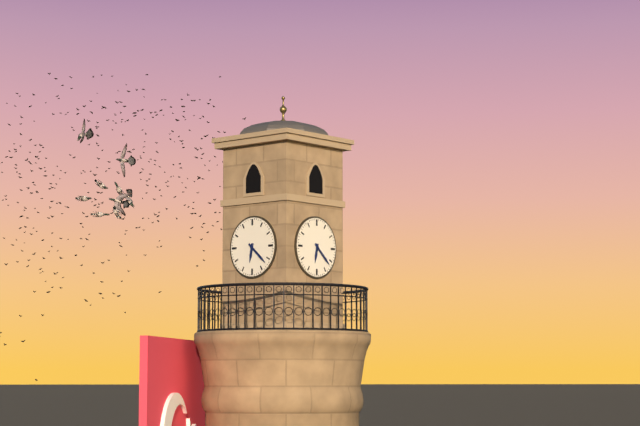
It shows {"hour": 6, "minute": 22}
